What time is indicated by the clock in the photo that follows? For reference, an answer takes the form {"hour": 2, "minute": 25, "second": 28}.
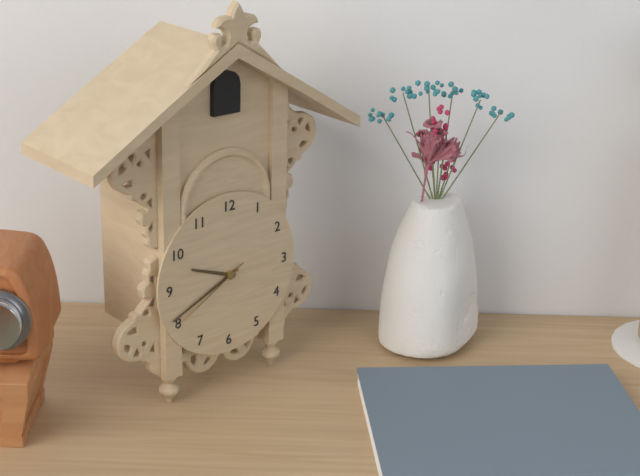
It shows {"hour": 9, "minute": 41, "second": 40}
